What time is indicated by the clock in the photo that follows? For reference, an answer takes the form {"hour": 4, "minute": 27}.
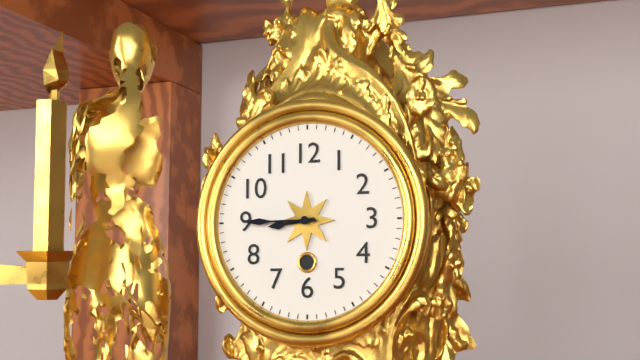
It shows {"hour": 8, "minute": 45}
